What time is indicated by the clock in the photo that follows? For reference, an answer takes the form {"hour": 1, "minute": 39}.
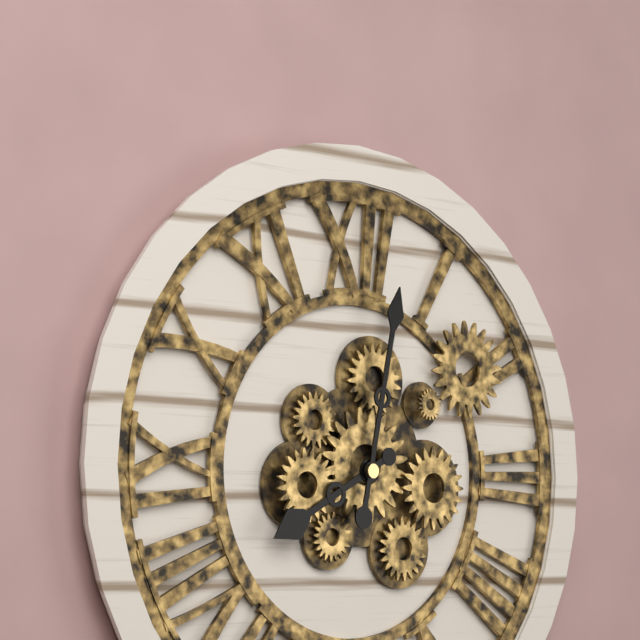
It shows {"hour": 8, "minute": 2}
